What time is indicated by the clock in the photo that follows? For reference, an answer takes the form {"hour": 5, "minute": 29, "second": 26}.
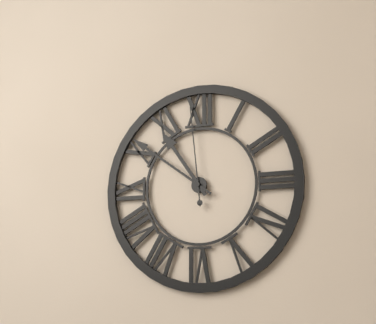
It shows {"hour": 10, "minute": 51, "second": 59}
